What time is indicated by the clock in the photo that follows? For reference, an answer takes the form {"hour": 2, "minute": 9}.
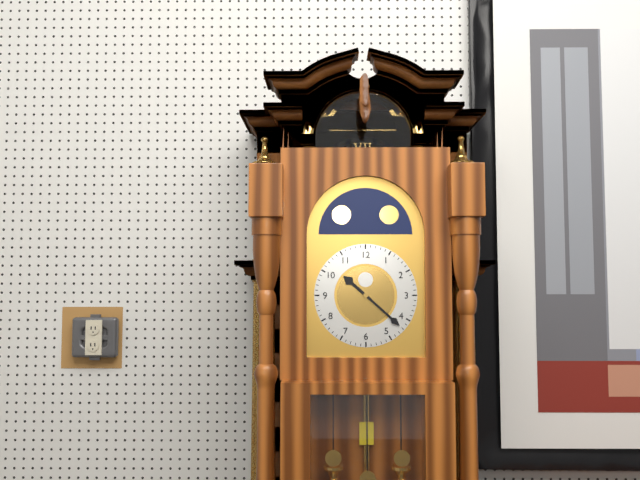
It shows {"hour": 10, "minute": 22}
